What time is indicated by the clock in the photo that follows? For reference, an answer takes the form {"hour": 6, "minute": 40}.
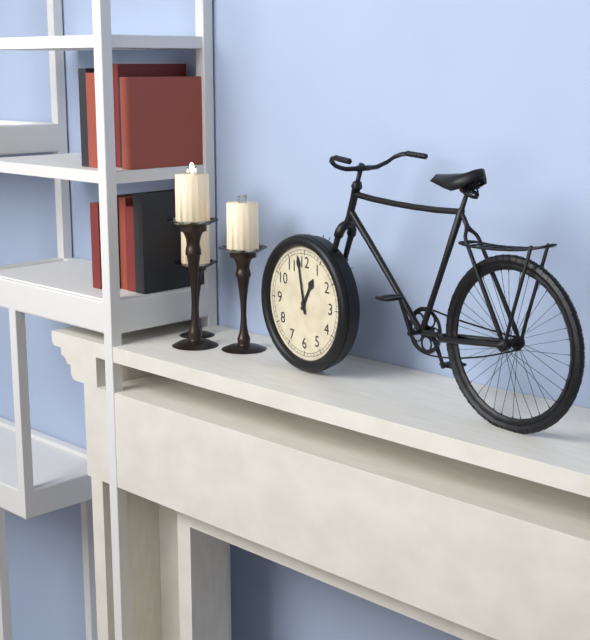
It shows {"hour": 12, "minute": 58}
